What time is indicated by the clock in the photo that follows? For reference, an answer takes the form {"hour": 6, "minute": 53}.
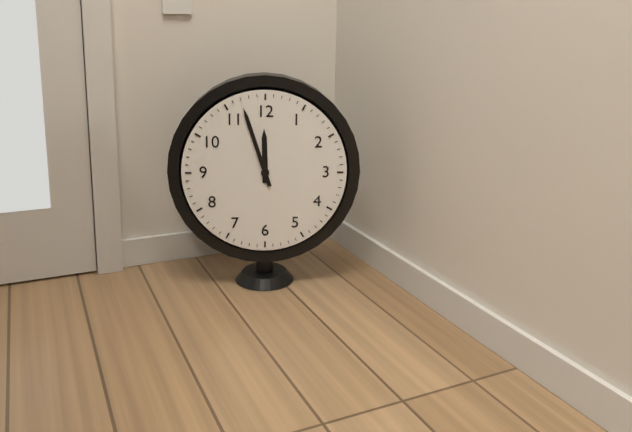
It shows {"hour": 11, "minute": 57}
